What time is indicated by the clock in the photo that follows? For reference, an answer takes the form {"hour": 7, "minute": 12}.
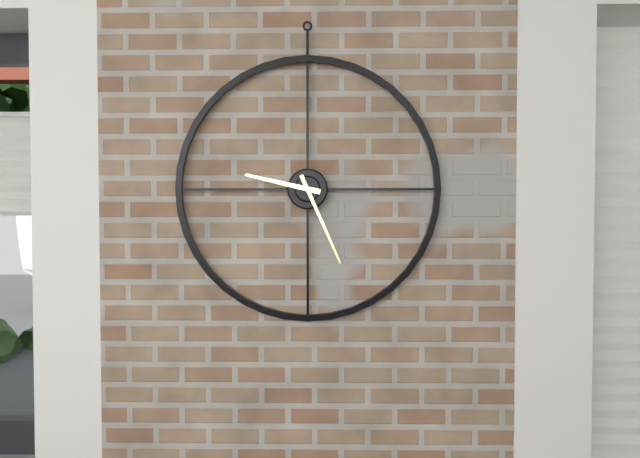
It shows {"hour": 9, "minute": 26}
